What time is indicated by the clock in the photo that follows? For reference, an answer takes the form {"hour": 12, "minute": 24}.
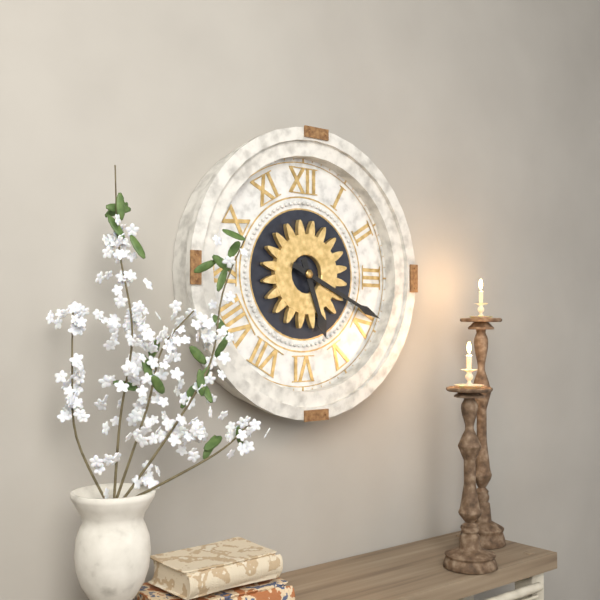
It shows {"hour": 5, "minute": 19}
